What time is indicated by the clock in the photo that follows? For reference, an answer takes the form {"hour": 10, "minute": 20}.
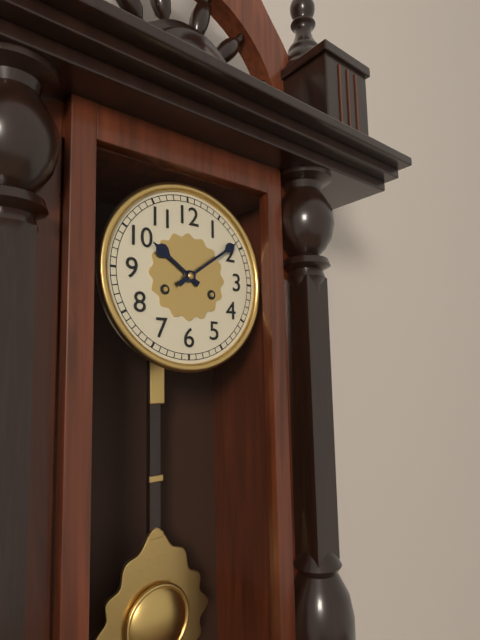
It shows {"hour": 10, "minute": 9}
